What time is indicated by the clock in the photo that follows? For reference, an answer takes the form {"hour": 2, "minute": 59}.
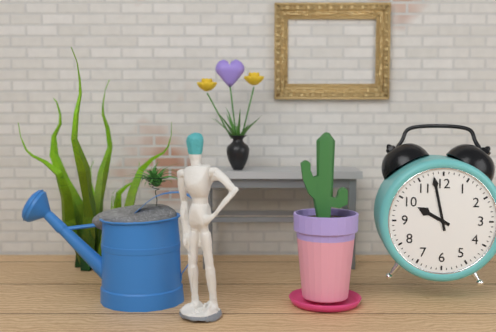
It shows {"hour": 9, "minute": 58}
